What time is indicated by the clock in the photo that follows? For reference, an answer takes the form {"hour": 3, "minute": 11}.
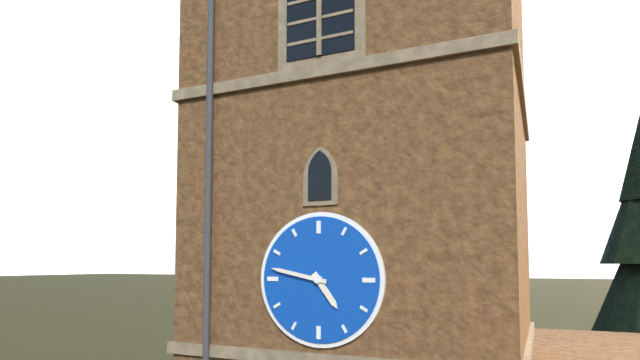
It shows {"hour": 4, "minute": 47}
